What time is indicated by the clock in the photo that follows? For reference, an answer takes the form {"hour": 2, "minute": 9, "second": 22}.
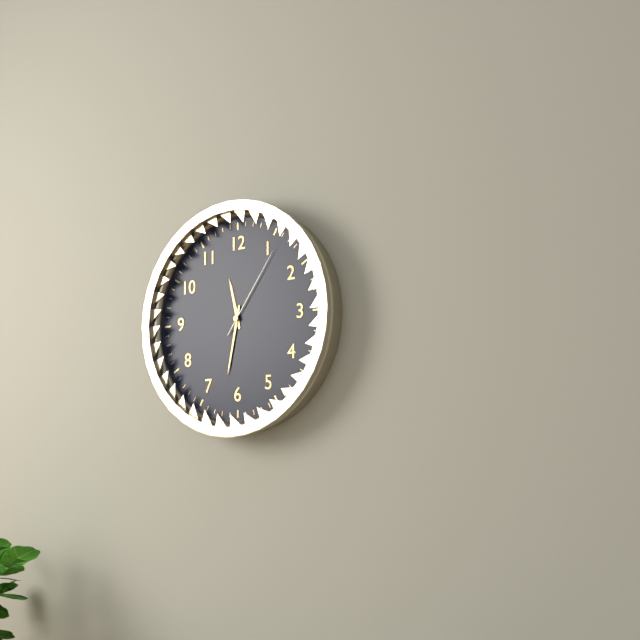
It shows {"hour": 11, "minute": 32, "second": 6}
